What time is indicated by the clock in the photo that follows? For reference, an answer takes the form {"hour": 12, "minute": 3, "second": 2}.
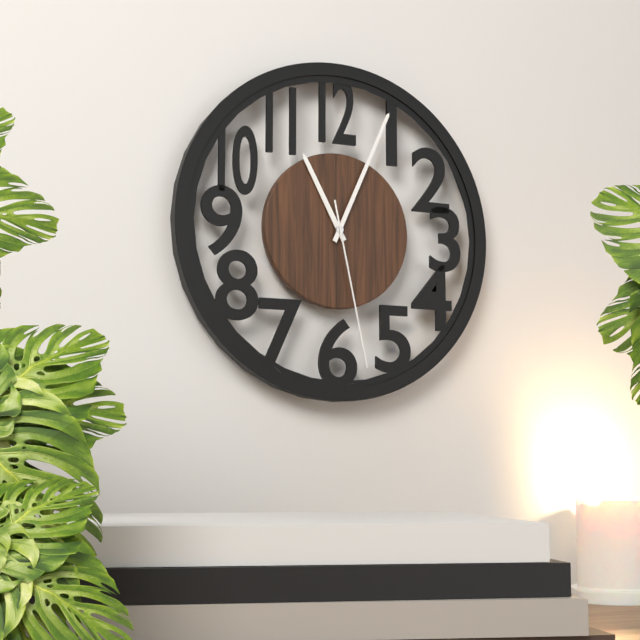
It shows {"hour": 11, "minute": 4, "second": 28}
